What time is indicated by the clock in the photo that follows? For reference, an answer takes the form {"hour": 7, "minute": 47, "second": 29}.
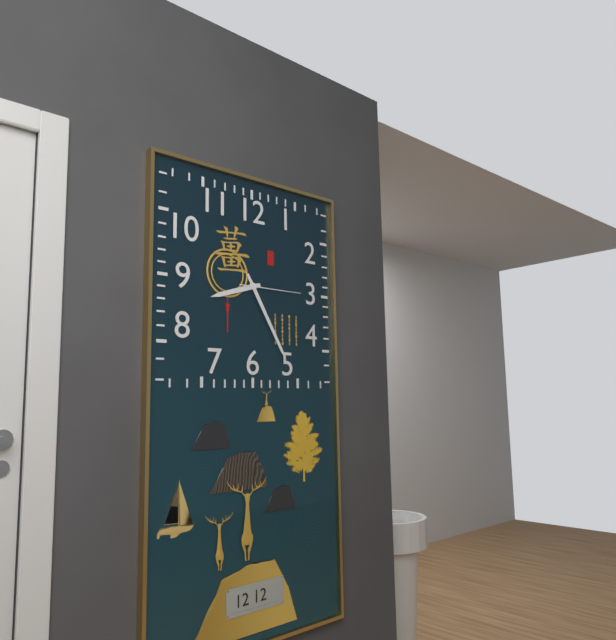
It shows {"hour": 8, "minute": 25, "second": 15}
